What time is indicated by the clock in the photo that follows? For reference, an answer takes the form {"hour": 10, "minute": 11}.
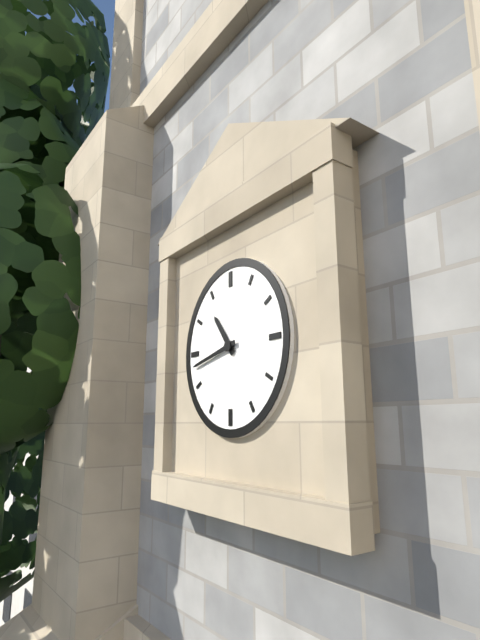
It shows {"hour": 10, "minute": 43}
